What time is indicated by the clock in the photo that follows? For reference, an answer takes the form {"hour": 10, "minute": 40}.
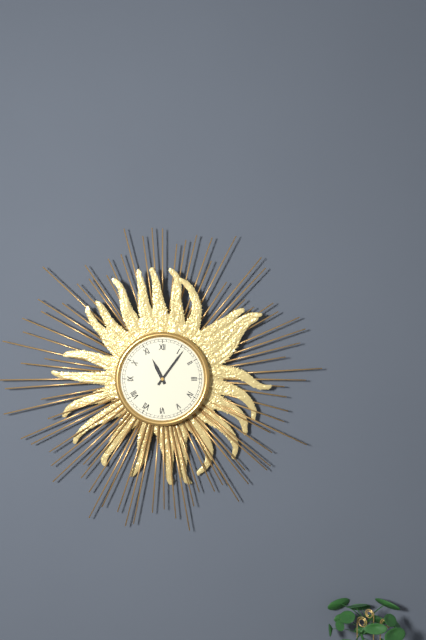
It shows {"hour": 11, "minute": 6}
